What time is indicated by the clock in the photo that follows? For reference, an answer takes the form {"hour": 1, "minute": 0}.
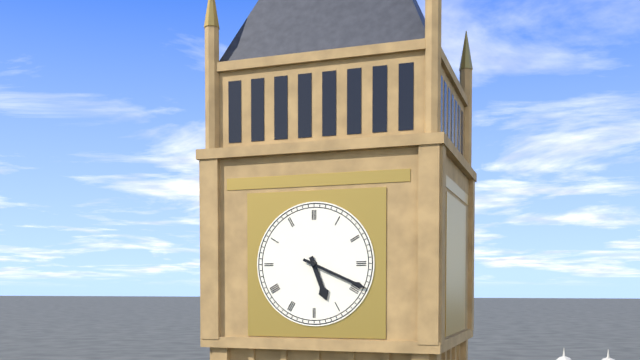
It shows {"hour": 5, "minute": 19}
